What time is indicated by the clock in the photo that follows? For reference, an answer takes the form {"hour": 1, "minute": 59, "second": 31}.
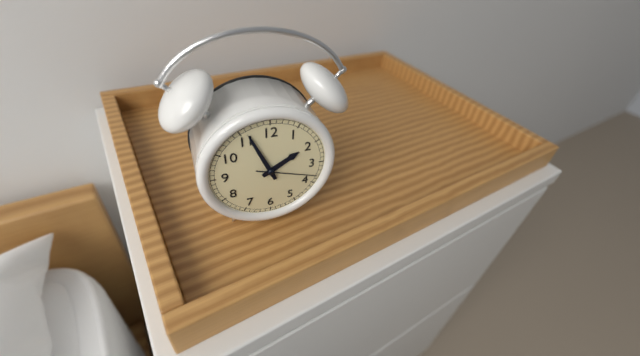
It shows {"hour": 1, "minute": 56, "second": 18}
